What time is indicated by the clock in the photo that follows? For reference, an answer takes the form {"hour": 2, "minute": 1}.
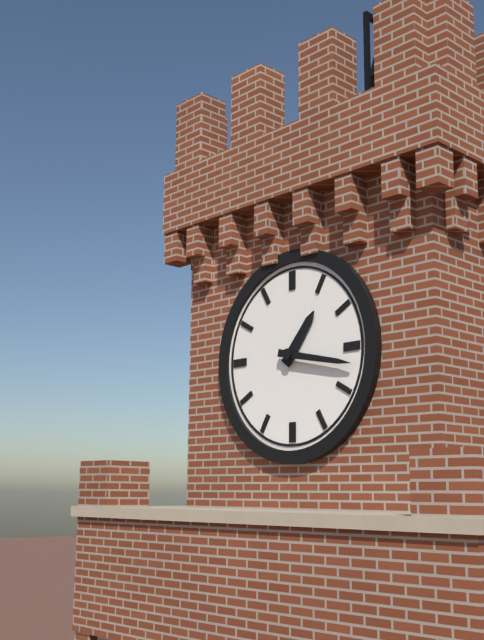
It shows {"hour": 1, "minute": 17}
